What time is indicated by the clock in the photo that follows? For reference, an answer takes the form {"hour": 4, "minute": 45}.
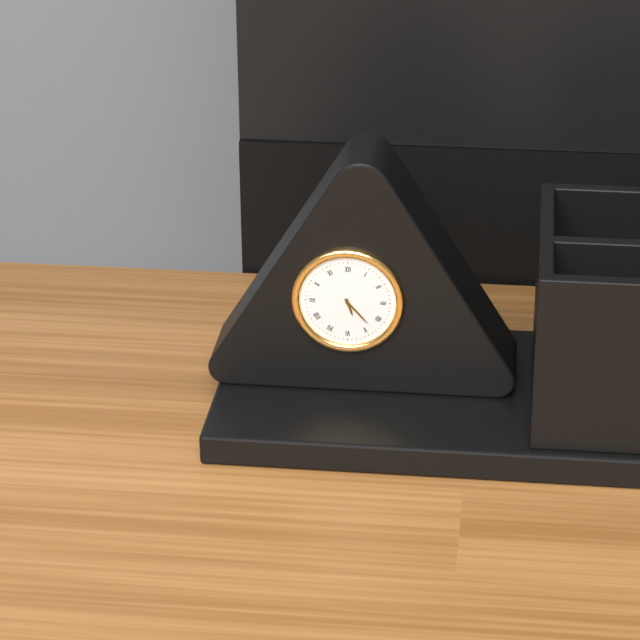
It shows {"hour": 5, "minute": 23}
